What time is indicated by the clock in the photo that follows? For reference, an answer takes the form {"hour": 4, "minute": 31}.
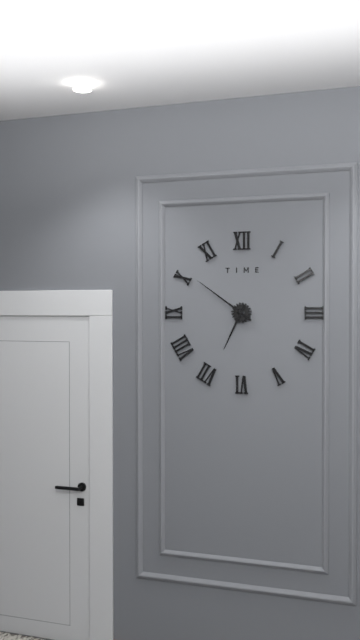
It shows {"hour": 6, "minute": 51}
